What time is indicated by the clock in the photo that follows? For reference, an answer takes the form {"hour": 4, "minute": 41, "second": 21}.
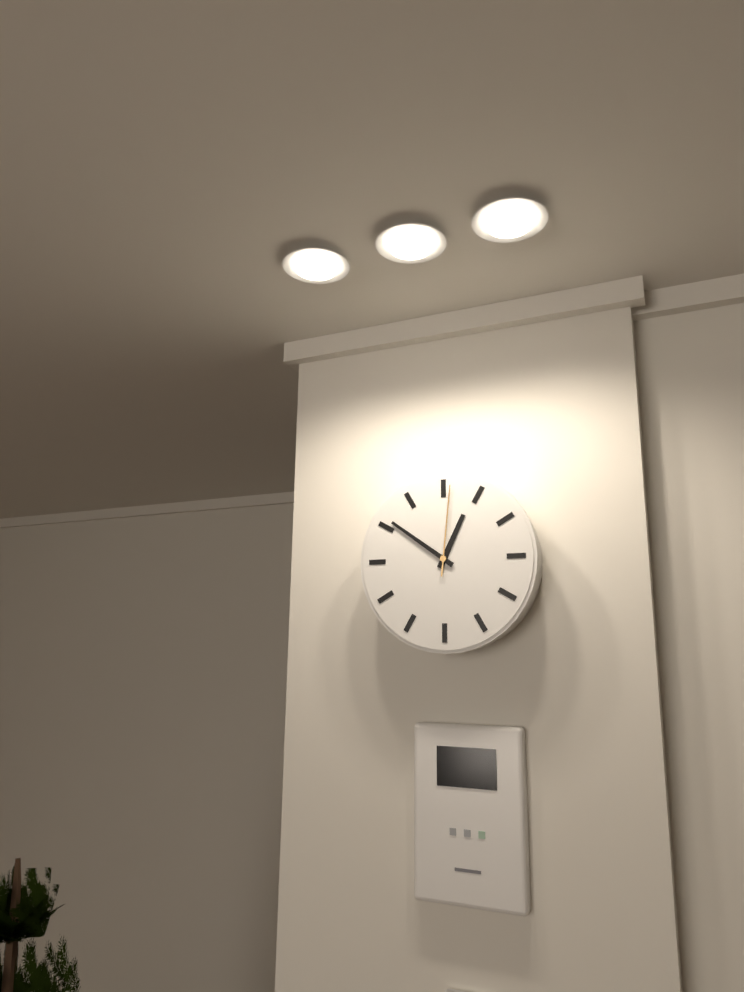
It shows {"hour": 12, "minute": 51, "second": 1}
